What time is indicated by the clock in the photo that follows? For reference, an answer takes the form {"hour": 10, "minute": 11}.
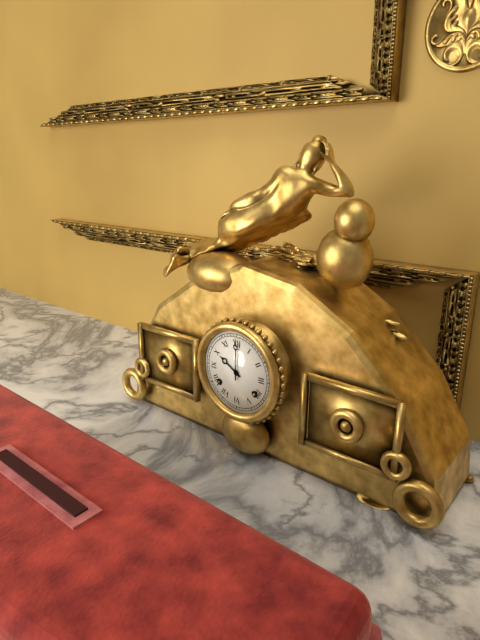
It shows {"hour": 10, "minute": 0}
